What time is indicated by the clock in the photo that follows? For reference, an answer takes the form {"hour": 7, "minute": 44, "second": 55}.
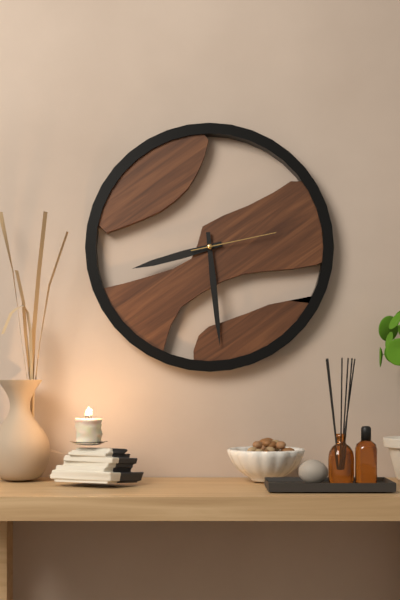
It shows {"hour": 8, "minute": 29, "second": 13}
